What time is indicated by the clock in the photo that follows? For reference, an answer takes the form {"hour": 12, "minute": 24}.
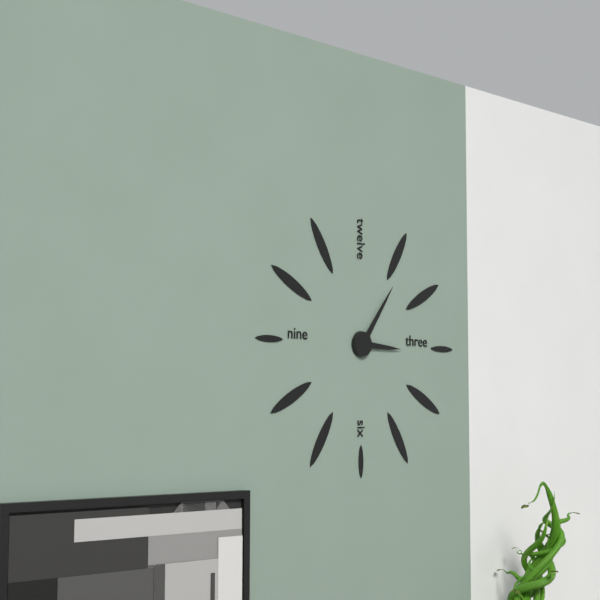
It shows {"hour": 3, "minute": 6}
